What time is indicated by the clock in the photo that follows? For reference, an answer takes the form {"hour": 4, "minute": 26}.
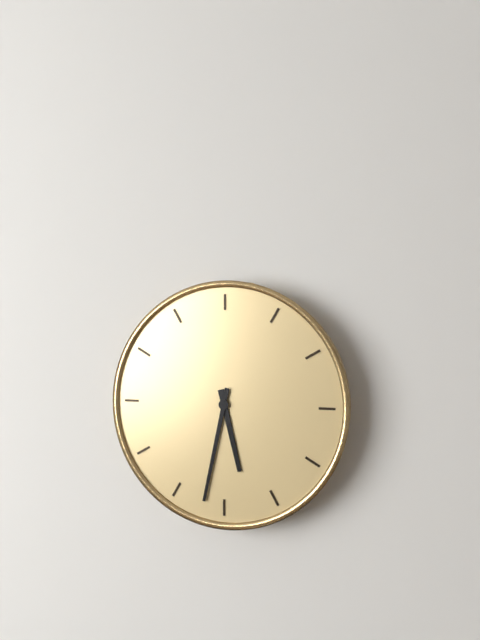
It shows {"hour": 5, "minute": 32}
